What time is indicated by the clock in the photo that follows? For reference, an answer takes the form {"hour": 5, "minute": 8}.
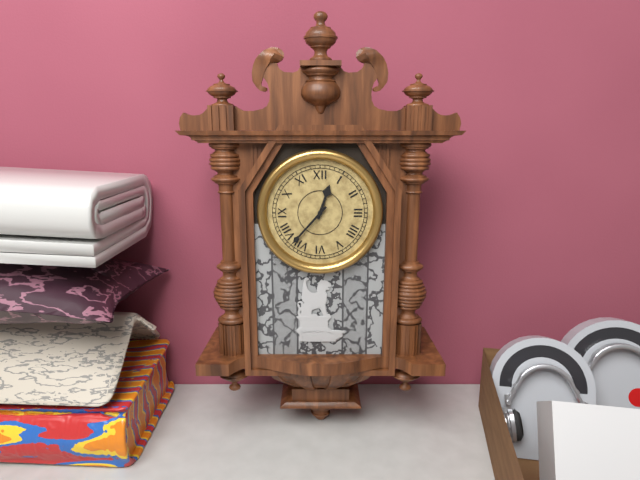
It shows {"hour": 12, "minute": 37}
